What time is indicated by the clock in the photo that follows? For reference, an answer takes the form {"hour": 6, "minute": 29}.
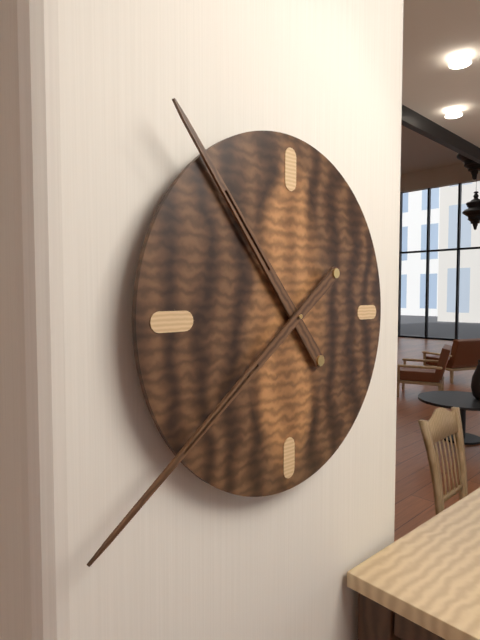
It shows {"hour": 10, "minute": 39}
